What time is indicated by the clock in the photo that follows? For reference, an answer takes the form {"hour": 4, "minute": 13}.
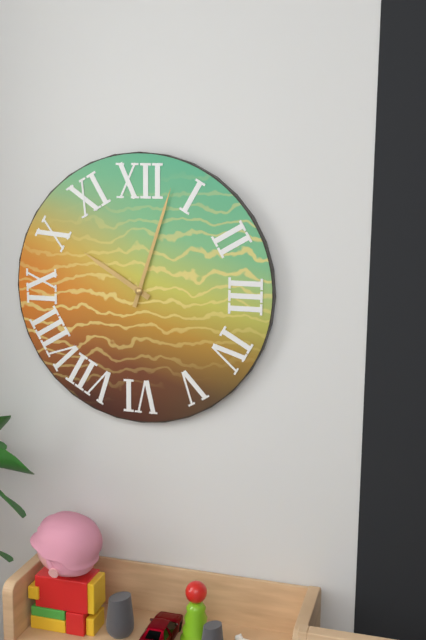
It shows {"hour": 10, "minute": 3}
